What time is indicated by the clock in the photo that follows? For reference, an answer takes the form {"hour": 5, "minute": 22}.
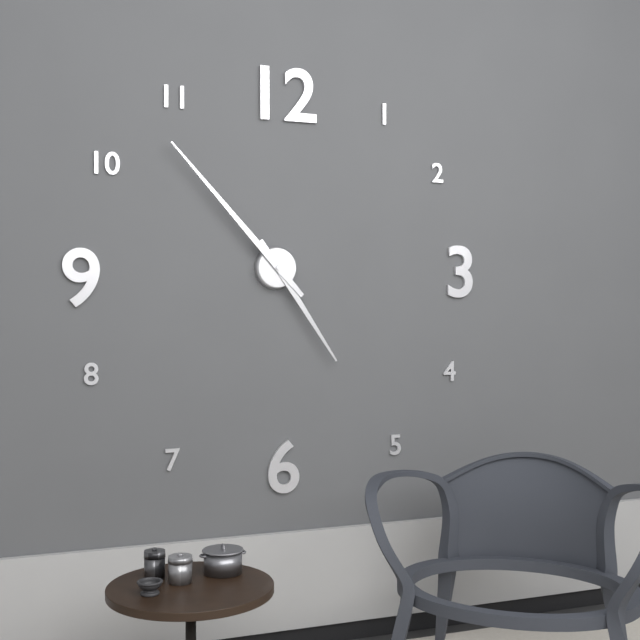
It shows {"hour": 4, "minute": 53}
